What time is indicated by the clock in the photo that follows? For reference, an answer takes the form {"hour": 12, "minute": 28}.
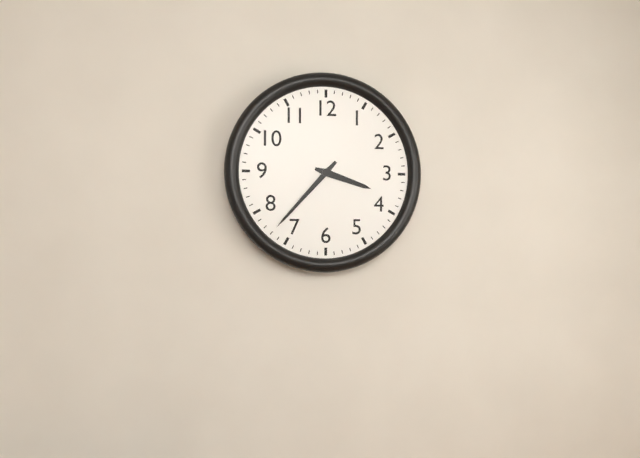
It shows {"hour": 3, "minute": 37}
